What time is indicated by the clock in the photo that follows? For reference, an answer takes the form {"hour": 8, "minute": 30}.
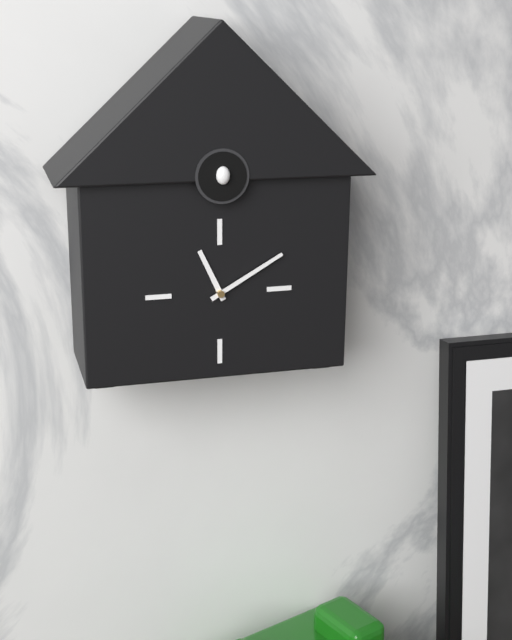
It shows {"hour": 11, "minute": 10}
